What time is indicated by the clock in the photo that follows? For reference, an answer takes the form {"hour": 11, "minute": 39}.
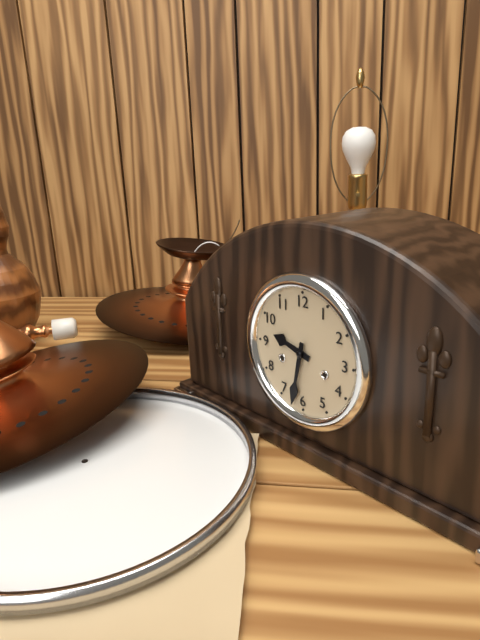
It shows {"hour": 9, "minute": 32}
